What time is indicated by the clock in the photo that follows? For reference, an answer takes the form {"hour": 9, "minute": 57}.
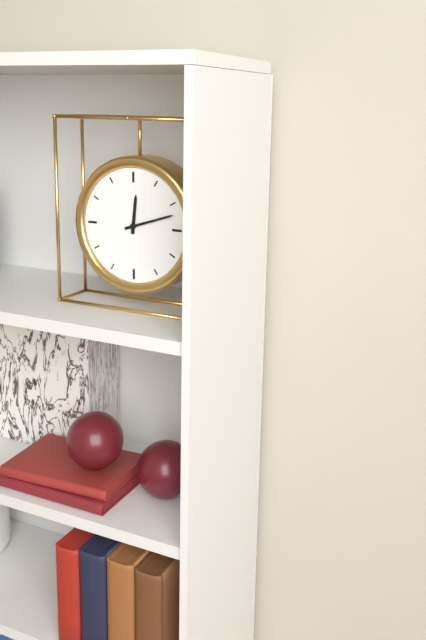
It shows {"hour": 12, "minute": 12}
